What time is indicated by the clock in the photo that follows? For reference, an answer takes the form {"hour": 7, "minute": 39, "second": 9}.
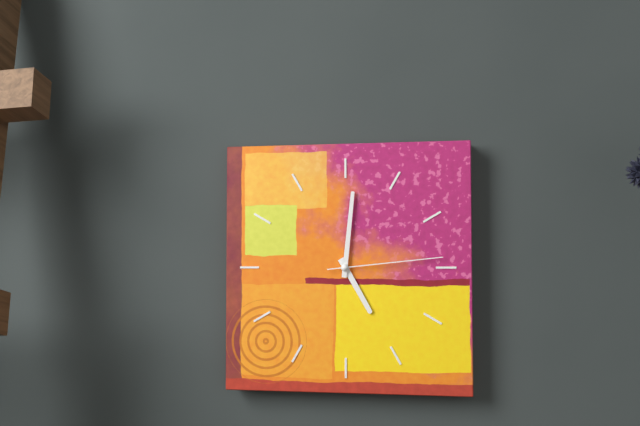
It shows {"hour": 5, "minute": 1, "second": 14}
